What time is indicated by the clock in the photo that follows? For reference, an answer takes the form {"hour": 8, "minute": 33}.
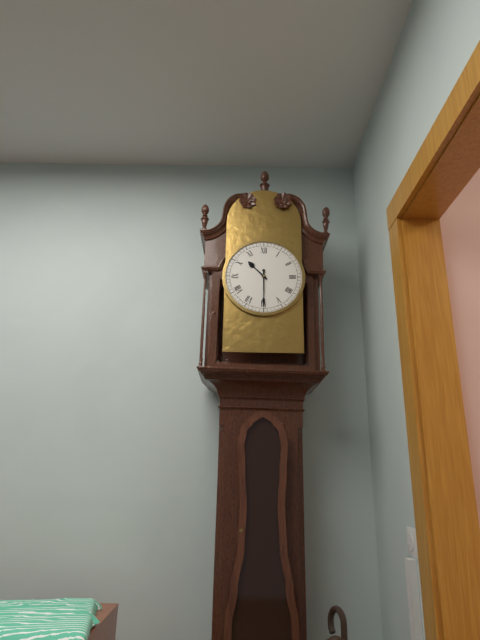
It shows {"hour": 10, "minute": 30}
